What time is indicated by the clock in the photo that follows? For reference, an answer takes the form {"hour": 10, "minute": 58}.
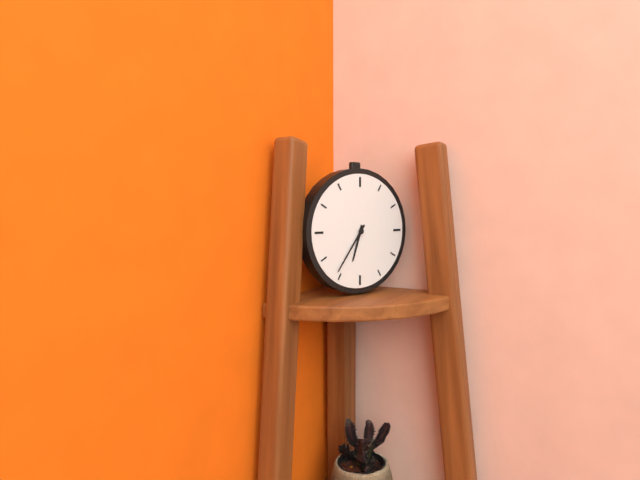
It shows {"hour": 6, "minute": 36}
